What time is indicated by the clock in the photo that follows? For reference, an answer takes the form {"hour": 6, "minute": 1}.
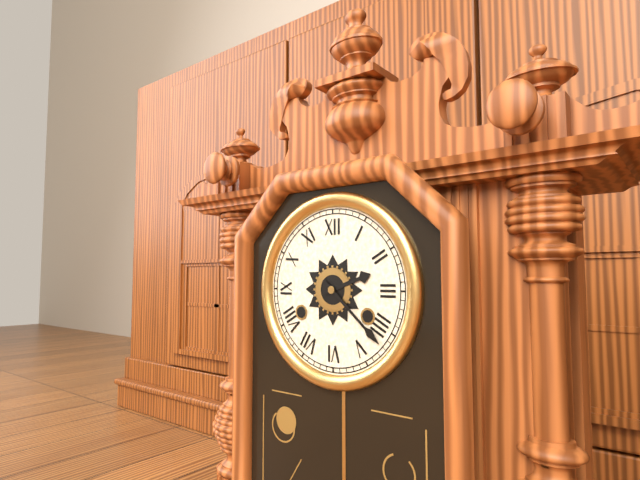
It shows {"hour": 2, "minute": 22}
